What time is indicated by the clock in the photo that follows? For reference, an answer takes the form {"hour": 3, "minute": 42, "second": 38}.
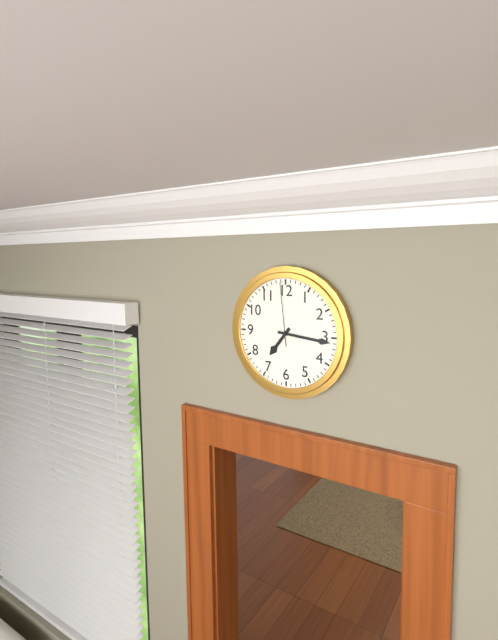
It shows {"hour": 7, "minute": 16, "second": 59}
